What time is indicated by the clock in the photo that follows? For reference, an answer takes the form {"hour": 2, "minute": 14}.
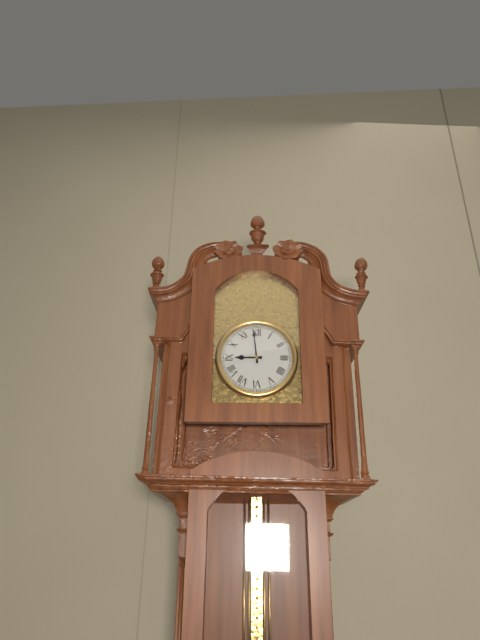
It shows {"hour": 8, "minute": 59}
